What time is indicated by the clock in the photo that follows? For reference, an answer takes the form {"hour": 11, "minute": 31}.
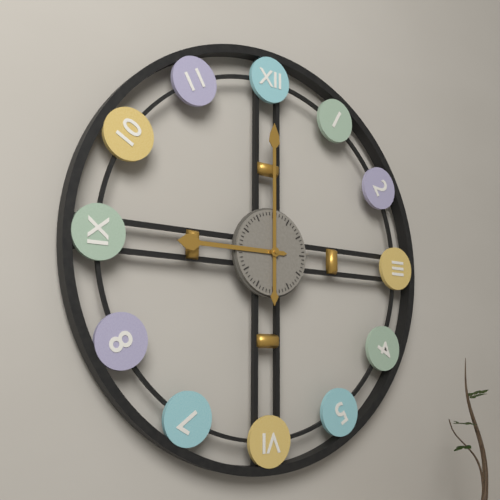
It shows {"hour": 9, "minute": 0}
